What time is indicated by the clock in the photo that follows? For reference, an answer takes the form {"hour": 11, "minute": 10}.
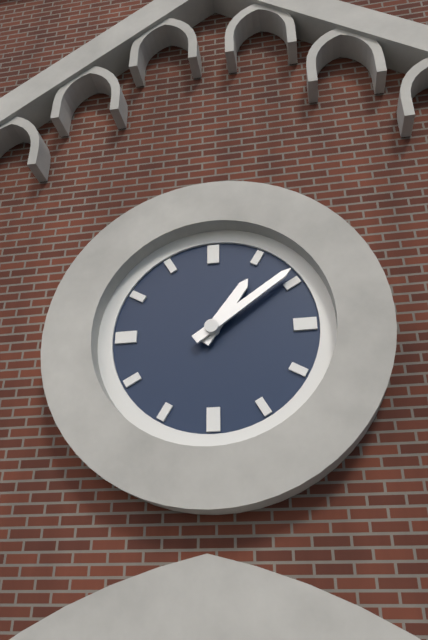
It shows {"hour": 1, "minute": 9}
